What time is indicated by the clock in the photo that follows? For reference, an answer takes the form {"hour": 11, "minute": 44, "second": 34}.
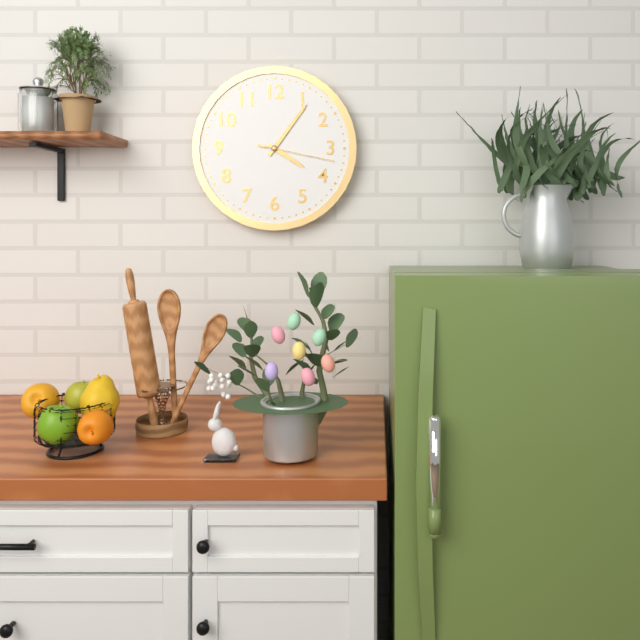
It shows {"hour": 4, "minute": 6, "second": 17}
